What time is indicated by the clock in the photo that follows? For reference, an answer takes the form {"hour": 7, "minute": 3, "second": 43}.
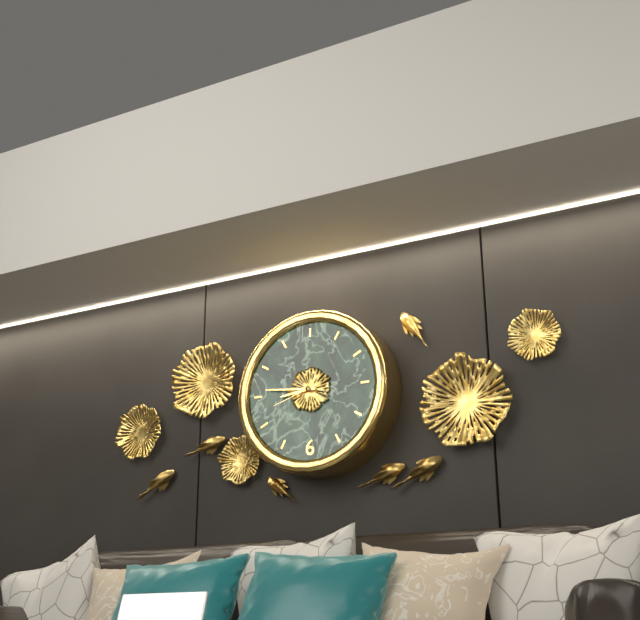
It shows {"hour": 8, "minute": 46, "second": 42}
